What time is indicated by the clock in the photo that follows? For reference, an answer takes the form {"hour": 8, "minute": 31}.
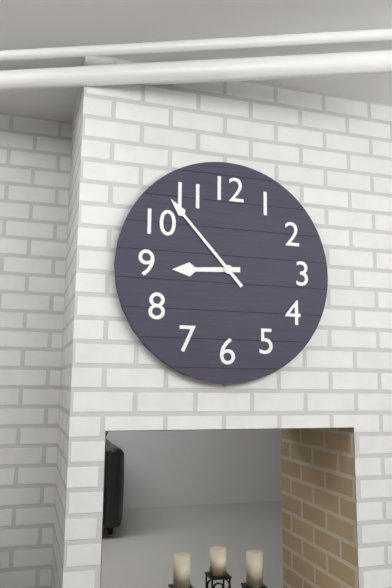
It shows {"hour": 8, "minute": 53}
